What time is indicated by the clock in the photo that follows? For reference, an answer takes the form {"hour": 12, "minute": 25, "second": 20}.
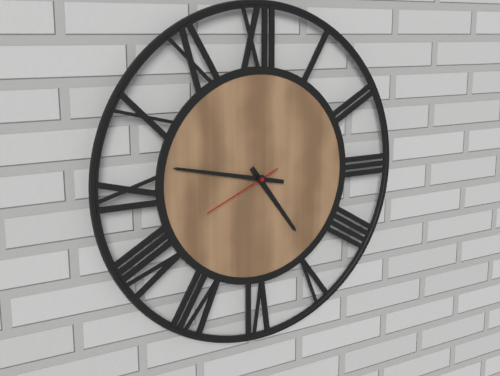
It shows {"hour": 4, "minute": 47, "second": 41}
